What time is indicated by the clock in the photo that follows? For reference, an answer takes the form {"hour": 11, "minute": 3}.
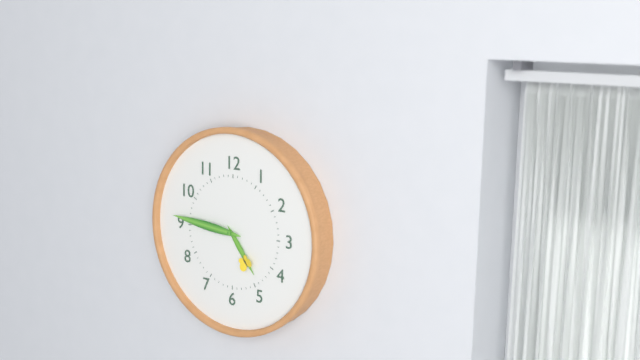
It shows {"hour": 4, "minute": 46}
